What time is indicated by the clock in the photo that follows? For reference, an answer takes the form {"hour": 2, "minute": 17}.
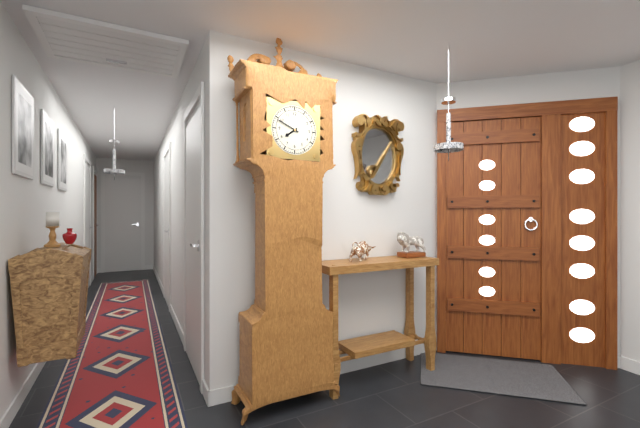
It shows {"hour": 7, "minute": 49}
